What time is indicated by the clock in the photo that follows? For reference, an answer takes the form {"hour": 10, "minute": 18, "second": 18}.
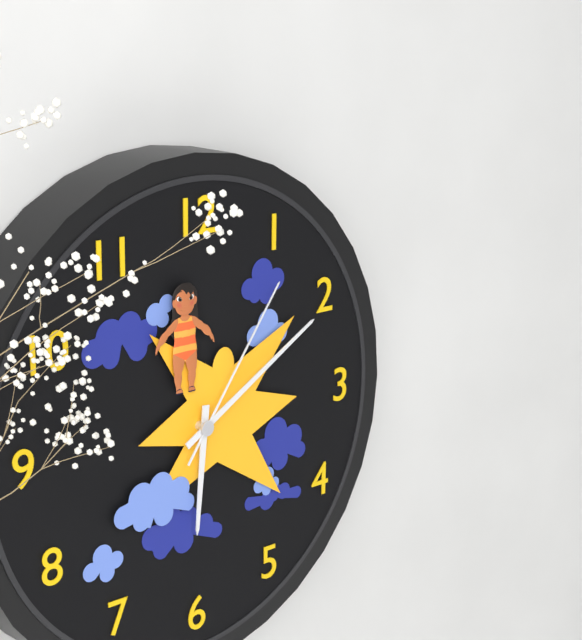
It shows {"hour": 6, "minute": 10, "second": 6}
